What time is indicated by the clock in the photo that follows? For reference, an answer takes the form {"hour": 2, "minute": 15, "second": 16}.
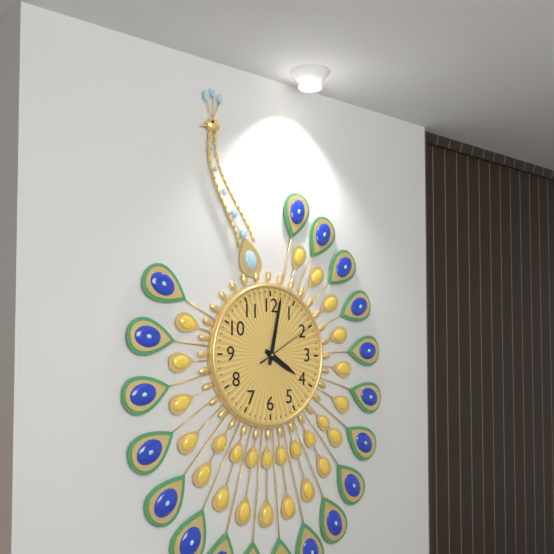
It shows {"hour": 4, "minute": 2, "second": 10}
